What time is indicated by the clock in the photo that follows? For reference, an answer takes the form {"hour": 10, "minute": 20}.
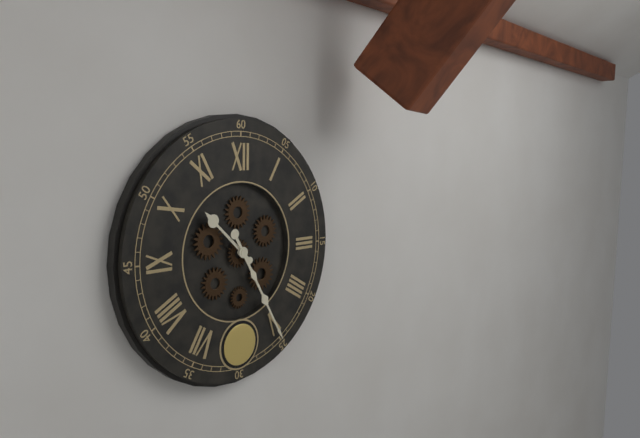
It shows {"hour": 10, "minute": 25}
